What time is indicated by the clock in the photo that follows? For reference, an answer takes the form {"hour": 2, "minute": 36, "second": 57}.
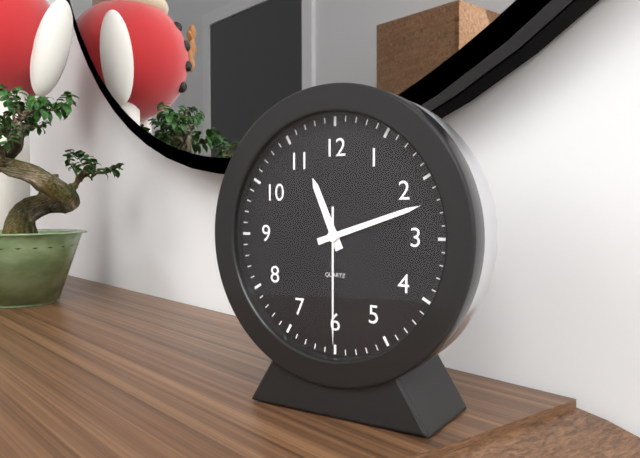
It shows {"hour": 11, "minute": 12, "second": 30}
